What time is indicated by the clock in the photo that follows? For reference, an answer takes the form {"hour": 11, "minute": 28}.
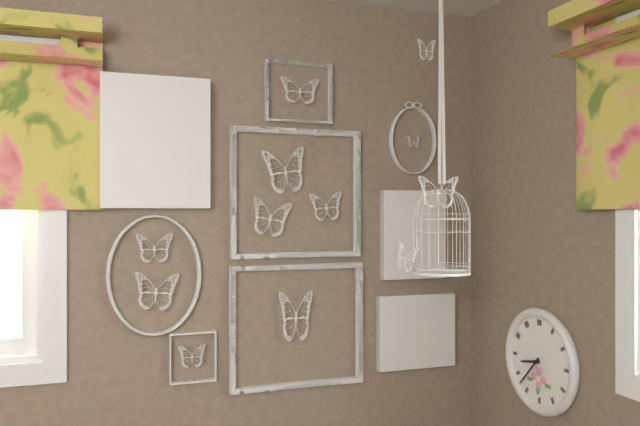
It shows {"hour": 8, "minute": 37}
